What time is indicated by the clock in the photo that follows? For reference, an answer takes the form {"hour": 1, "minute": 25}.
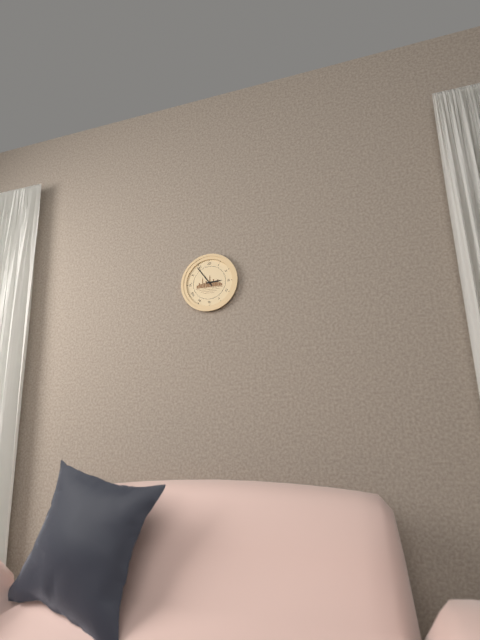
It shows {"hour": 2, "minute": 54}
